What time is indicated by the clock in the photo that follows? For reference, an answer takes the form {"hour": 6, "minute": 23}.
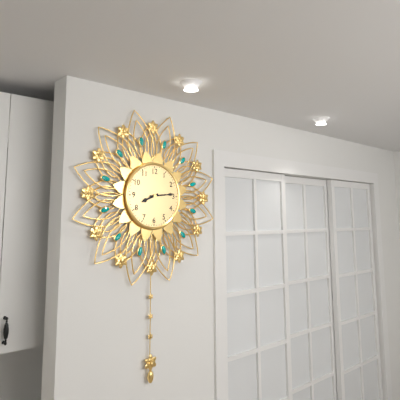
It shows {"hour": 8, "minute": 14}
